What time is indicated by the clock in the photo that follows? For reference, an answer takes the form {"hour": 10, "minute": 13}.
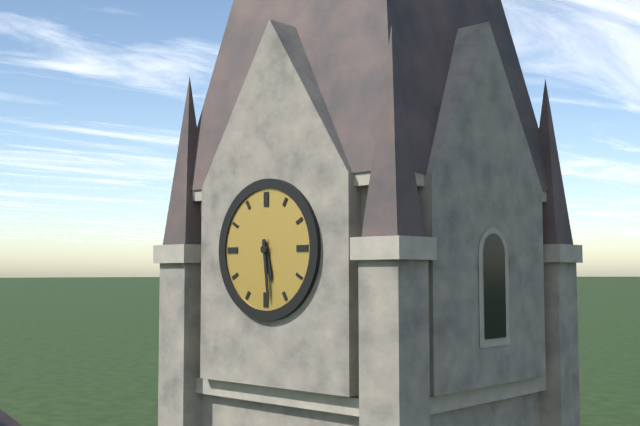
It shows {"hour": 5, "minute": 29}
